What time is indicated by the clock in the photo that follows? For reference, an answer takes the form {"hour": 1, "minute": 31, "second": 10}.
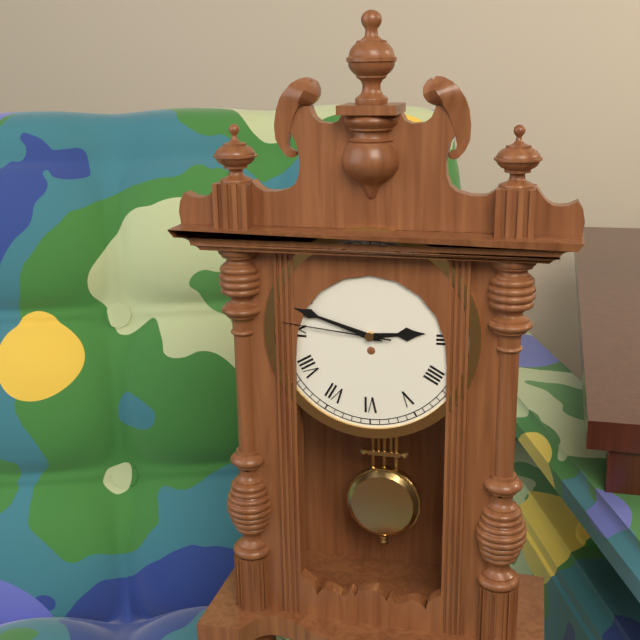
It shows {"hour": 2, "minute": 48, "second": 46}
